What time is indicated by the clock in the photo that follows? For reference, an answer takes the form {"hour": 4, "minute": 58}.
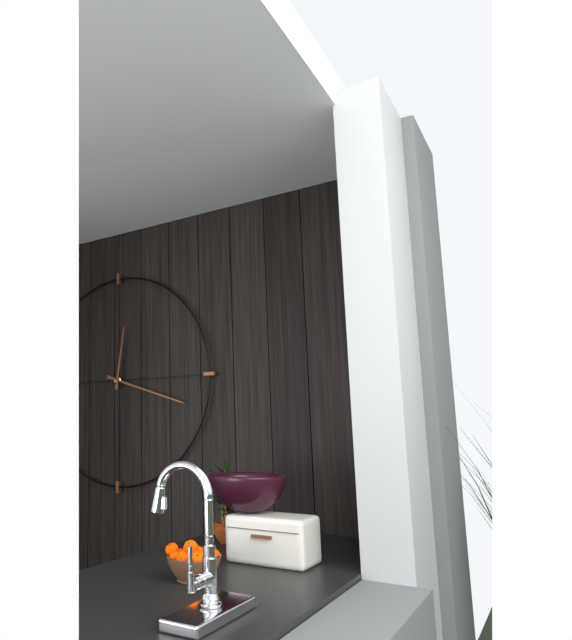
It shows {"hour": 12, "minute": 18}
